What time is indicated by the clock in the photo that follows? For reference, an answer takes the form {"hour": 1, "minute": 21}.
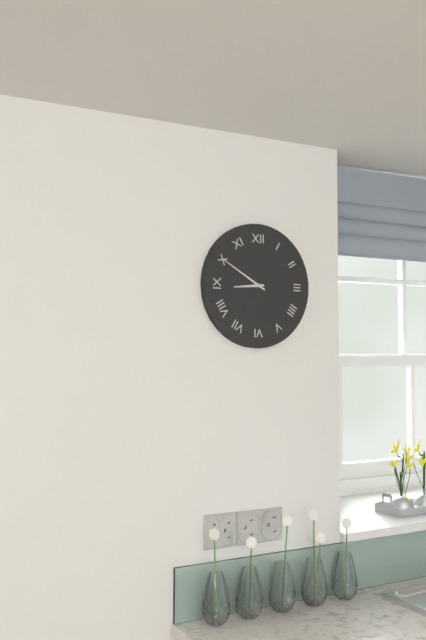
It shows {"hour": 8, "minute": 50}
